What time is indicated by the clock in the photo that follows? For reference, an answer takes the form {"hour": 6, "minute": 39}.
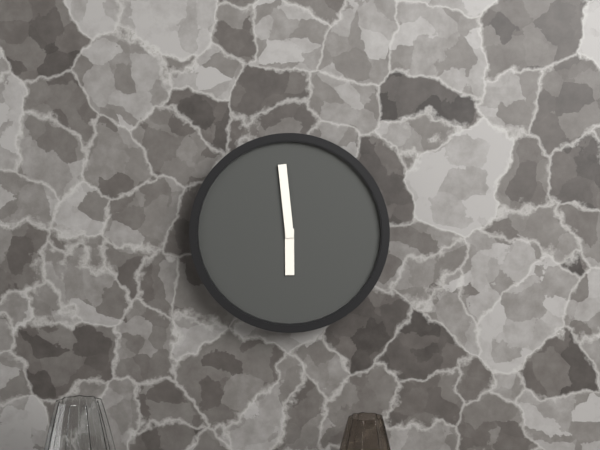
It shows {"hour": 5, "minute": 59}
